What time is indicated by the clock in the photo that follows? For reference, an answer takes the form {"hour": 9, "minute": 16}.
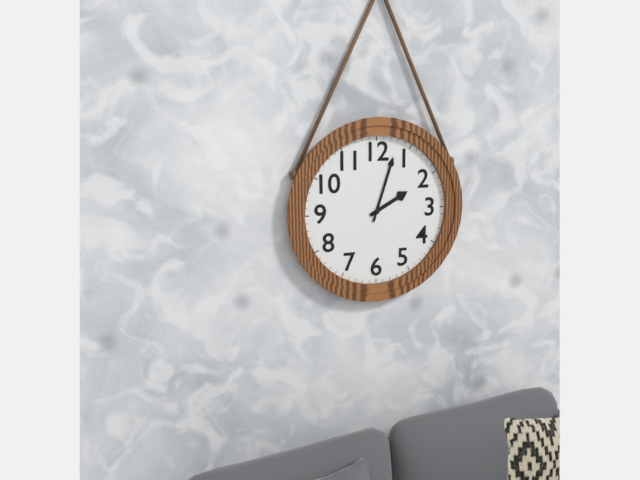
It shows {"hour": 2, "minute": 3}
